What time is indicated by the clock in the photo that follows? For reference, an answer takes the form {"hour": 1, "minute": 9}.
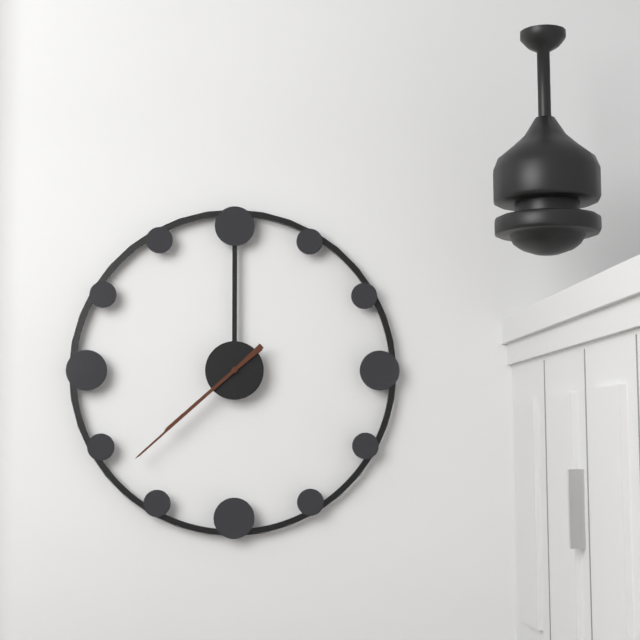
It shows {"hour": 7, "minute": 38}
